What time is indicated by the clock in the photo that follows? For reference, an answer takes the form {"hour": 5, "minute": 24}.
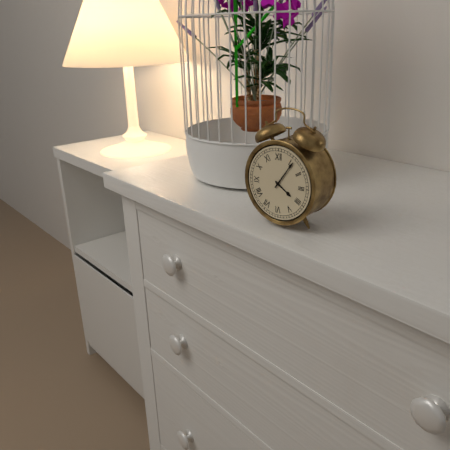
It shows {"hour": 4, "minute": 6}
